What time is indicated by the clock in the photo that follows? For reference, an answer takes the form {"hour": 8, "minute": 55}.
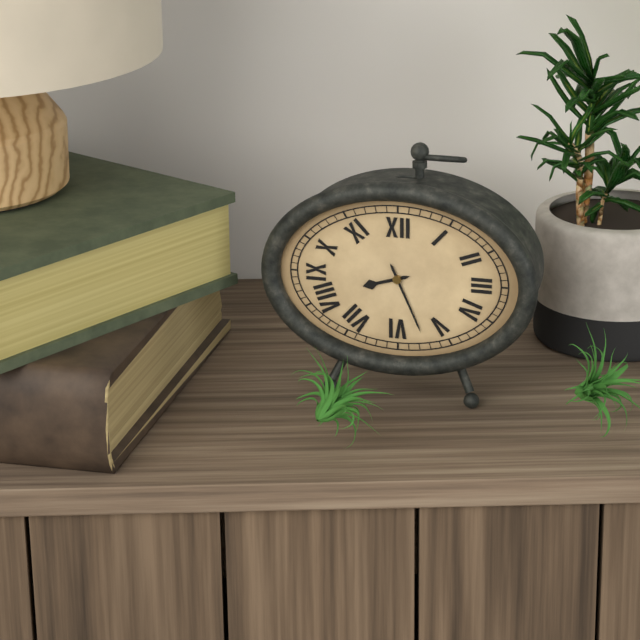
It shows {"hour": 8, "minute": 26}
